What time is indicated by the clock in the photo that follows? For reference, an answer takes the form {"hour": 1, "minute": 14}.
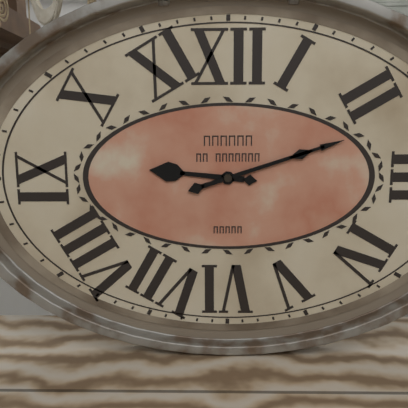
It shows {"hour": 9, "minute": 12}
